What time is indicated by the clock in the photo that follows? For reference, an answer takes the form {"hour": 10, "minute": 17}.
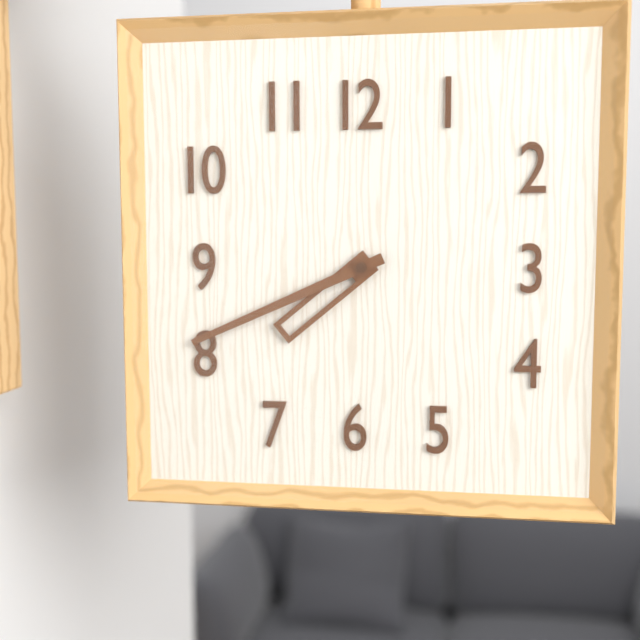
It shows {"hour": 7, "minute": 41}
